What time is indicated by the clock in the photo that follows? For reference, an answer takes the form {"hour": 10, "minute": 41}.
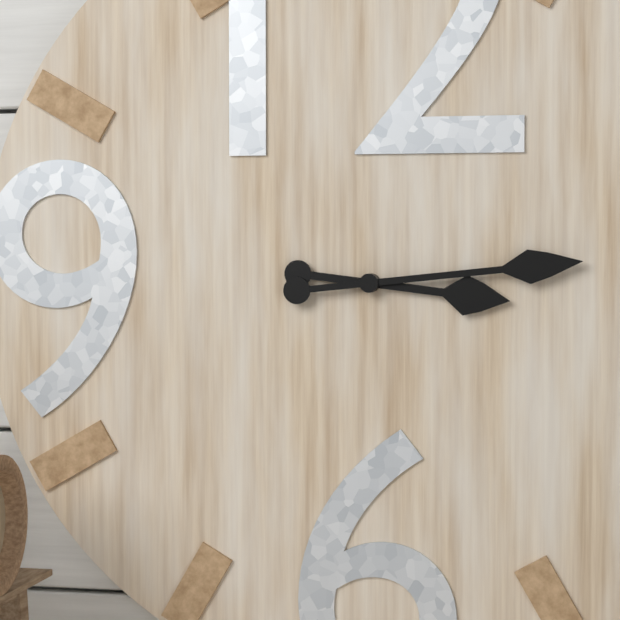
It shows {"hour": 3, "minute": 14}
